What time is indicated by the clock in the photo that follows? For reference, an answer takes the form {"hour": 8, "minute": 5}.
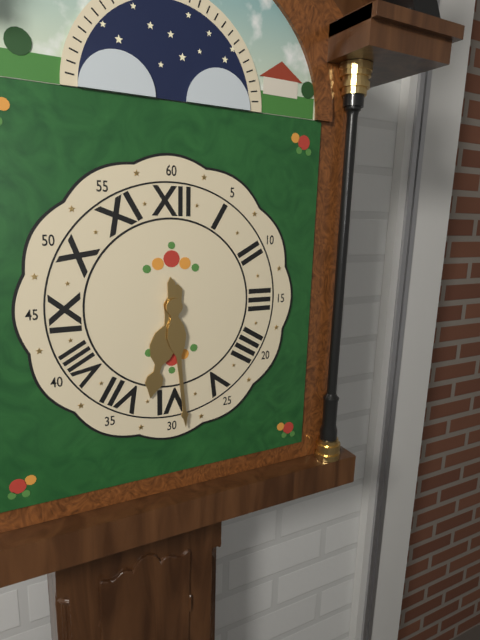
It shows {"hour": 6, "minute": 29}
